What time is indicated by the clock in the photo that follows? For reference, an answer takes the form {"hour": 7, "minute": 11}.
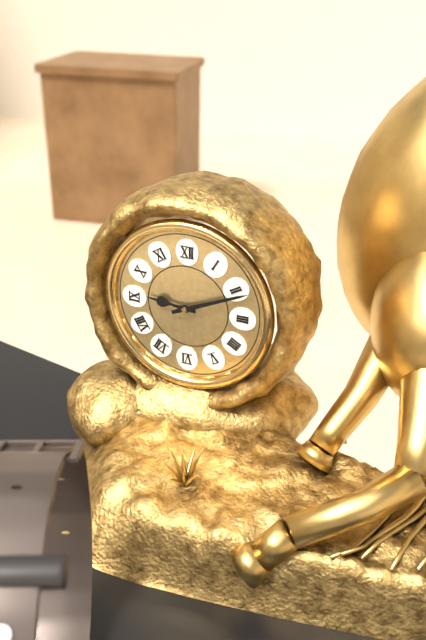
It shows {"hour": 9, "minute": 11}
